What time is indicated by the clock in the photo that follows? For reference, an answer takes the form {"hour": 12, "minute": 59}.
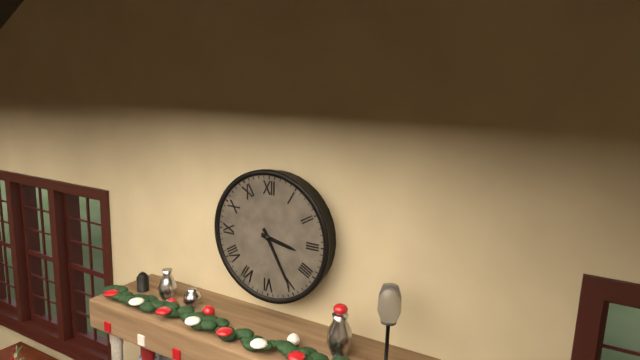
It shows {"hour": 3, "minute": 25}
